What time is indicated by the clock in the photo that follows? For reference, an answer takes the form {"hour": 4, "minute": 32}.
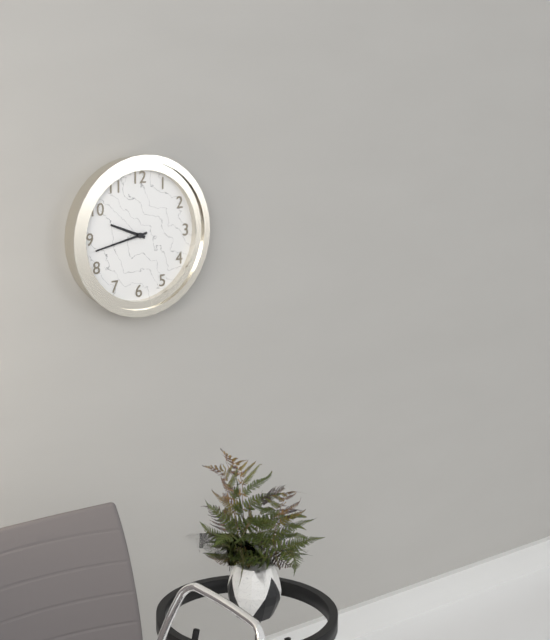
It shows {"hour": 9, "minute": 43}
